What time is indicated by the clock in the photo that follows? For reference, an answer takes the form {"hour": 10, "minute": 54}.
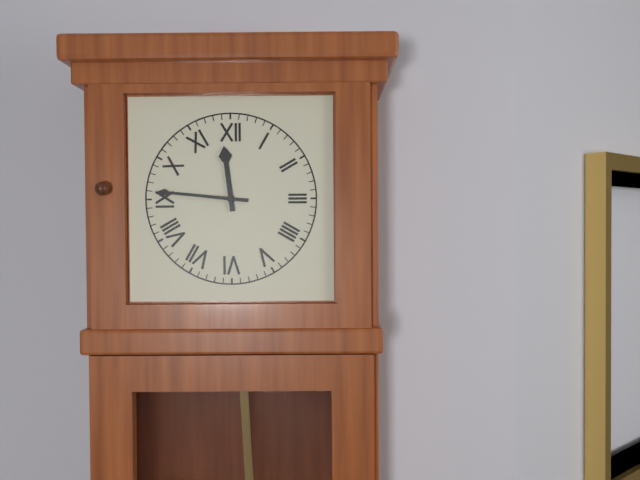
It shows {"hour": 11, "minute": 46}
